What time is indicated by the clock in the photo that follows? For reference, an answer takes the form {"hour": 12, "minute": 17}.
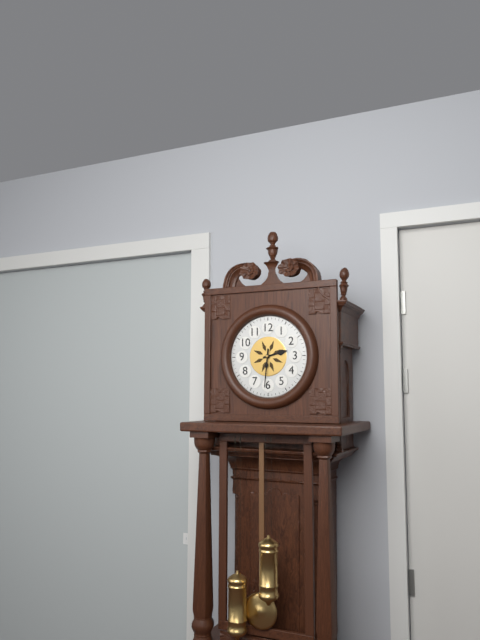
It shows {"hour": 2, "minute": 31}
